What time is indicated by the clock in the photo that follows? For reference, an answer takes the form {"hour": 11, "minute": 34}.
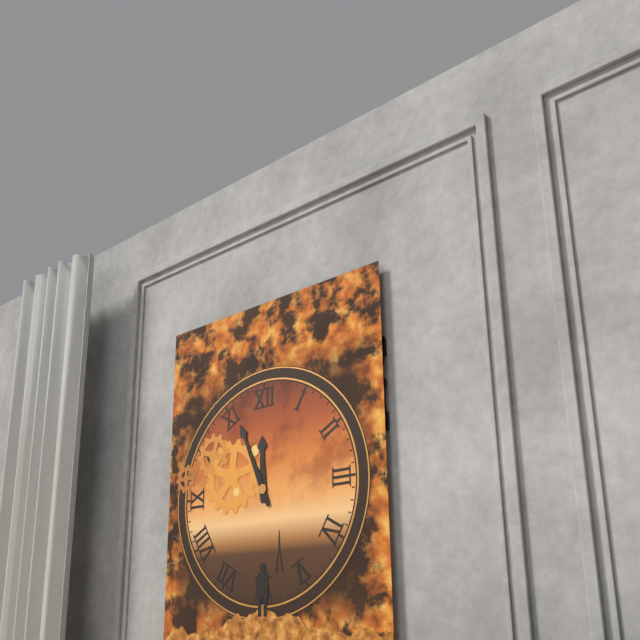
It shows {"hour": 11, "minute": 56}
